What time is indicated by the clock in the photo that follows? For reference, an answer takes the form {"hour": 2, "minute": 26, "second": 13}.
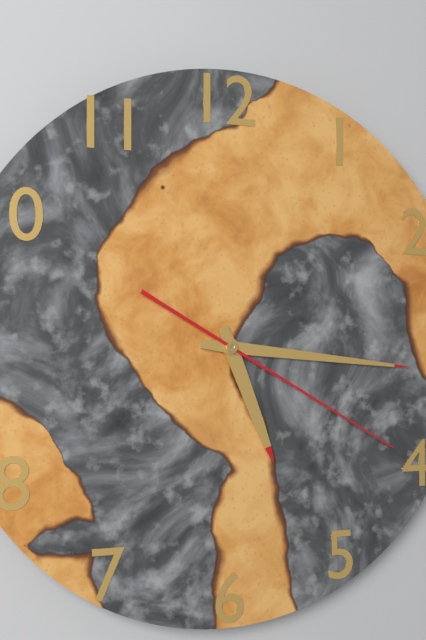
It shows {"hour": 5, "minute": 16, "second": 20}
